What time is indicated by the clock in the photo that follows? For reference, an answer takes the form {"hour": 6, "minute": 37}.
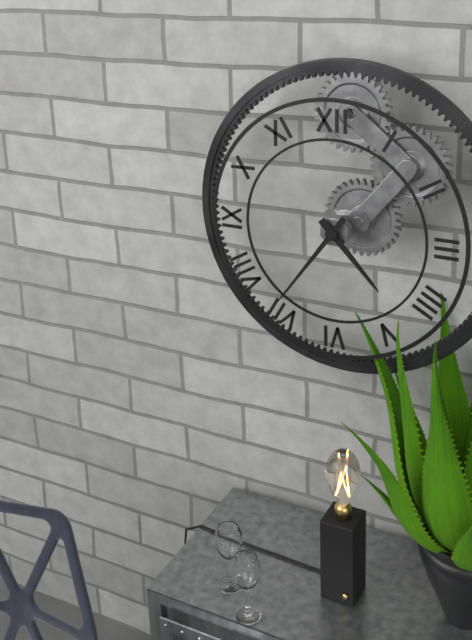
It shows {"hour": 4, "minute": 36}
